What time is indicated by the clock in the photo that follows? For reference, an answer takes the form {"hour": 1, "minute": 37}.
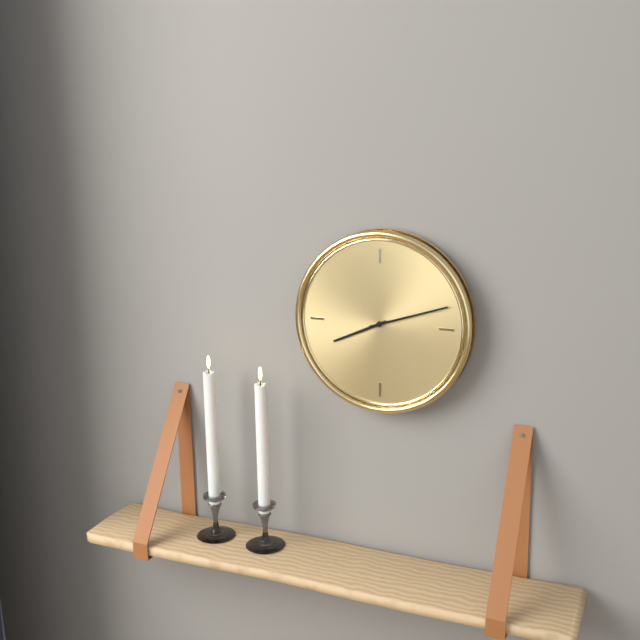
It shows {"hour": 8, "minute": 12}
